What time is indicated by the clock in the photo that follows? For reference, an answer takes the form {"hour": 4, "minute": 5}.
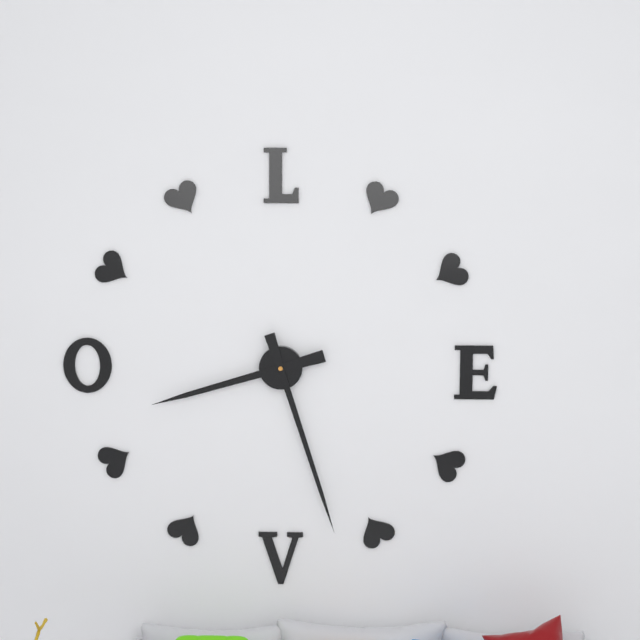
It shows {"hour": 8, "minute": 27}
